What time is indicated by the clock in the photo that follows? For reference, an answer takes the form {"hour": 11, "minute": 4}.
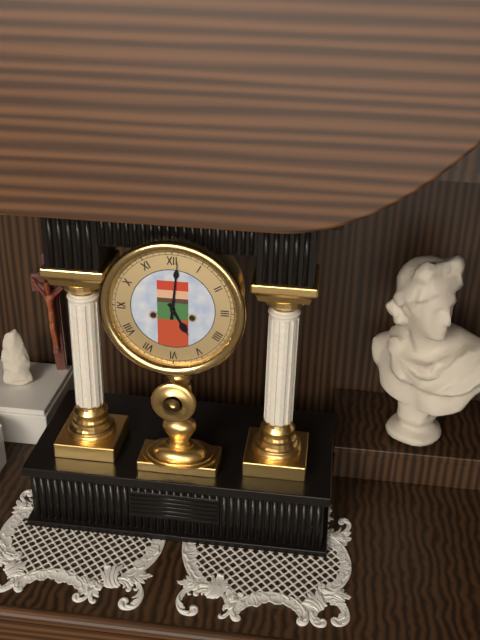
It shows {"hour": 5, "minute": 1}
